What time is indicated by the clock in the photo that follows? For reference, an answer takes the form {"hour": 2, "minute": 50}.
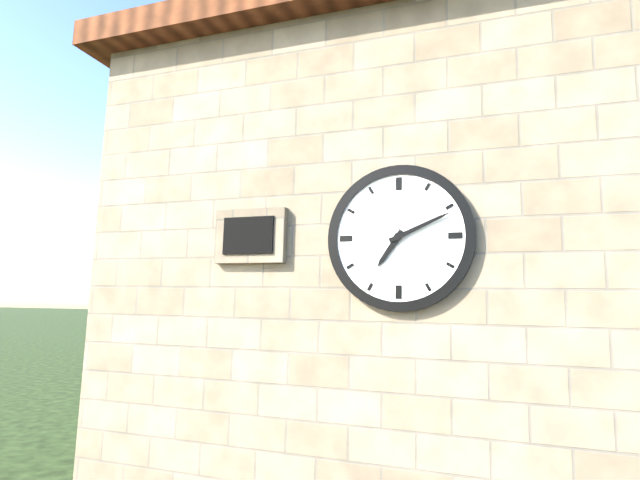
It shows {"hour": 7, "minute": 11}
